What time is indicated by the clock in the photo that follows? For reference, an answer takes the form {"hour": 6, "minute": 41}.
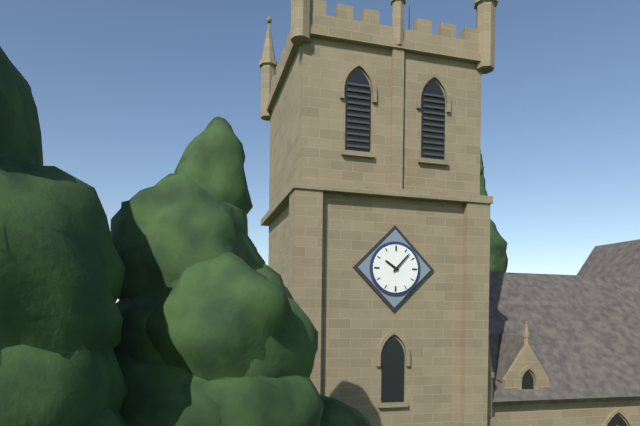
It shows {"hour": 10, "minute": 7}
